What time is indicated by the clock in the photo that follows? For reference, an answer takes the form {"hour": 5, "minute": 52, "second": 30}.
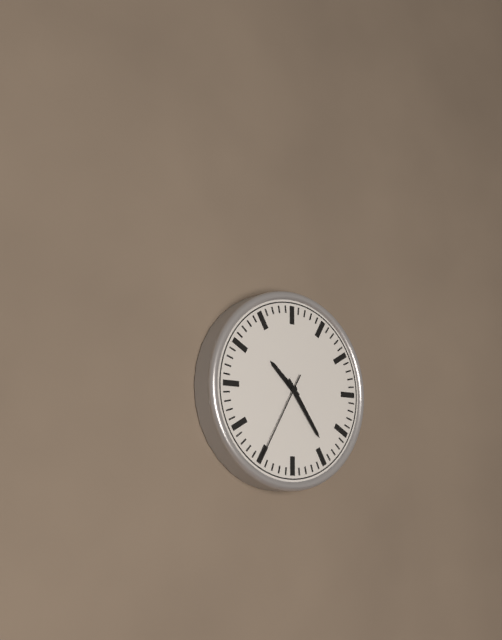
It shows {"hour": 10, "minute": 24, "second": 35}
